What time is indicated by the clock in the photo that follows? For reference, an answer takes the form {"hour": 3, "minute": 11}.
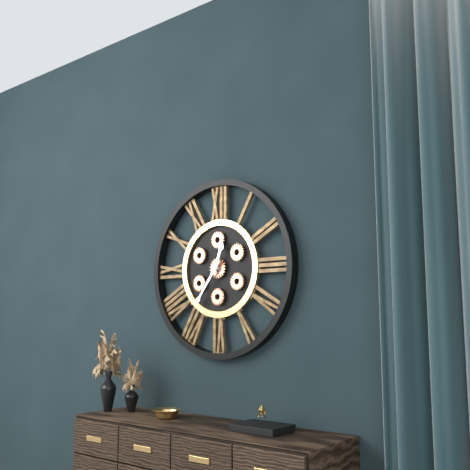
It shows {"hour": 12, "minute": 36}
